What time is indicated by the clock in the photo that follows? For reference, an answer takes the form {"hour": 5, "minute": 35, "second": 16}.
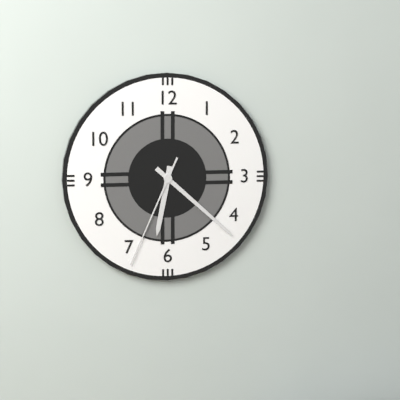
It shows {"hour": 6, "minute": 22, "second": 34}
